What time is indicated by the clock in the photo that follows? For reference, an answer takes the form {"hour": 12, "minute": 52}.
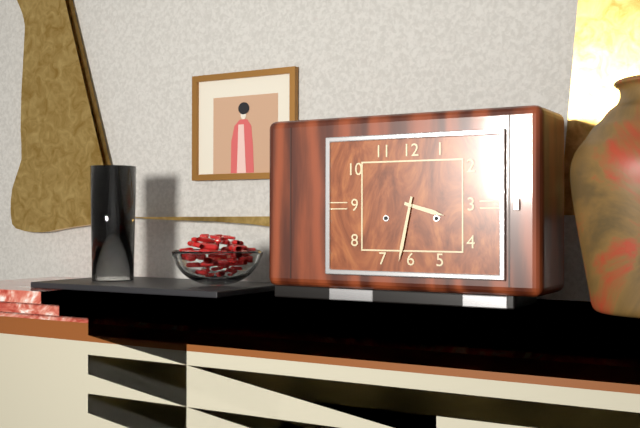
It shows {"hour": 3, "minute": 32}
